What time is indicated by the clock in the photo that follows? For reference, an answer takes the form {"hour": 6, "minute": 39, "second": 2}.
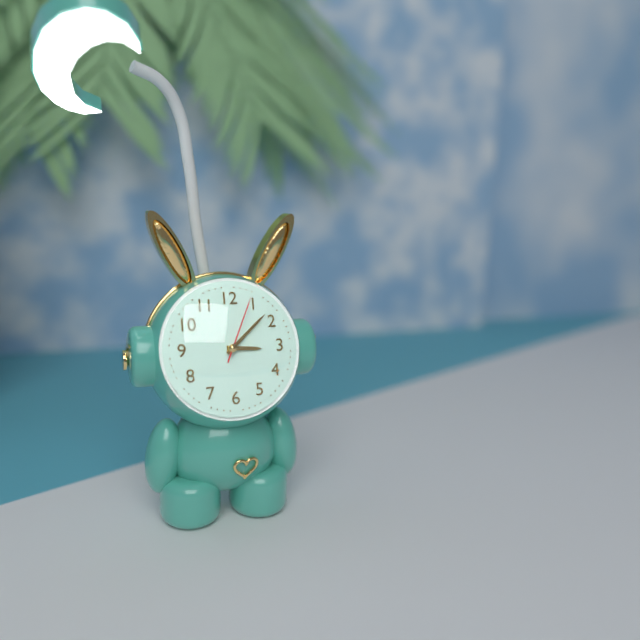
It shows {"hour": 3, "minute": 8, "second": 4}
